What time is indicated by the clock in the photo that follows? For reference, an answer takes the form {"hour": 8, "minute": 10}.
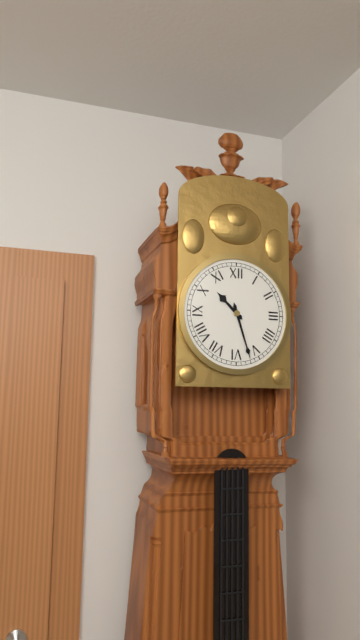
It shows {"hour": 10, "minute": 27}
